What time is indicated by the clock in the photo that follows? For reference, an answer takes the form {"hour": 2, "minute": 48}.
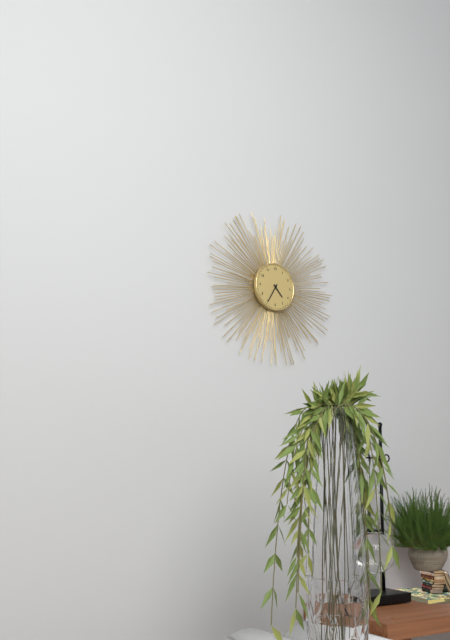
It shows {"hour": 4, "minute": 35}
